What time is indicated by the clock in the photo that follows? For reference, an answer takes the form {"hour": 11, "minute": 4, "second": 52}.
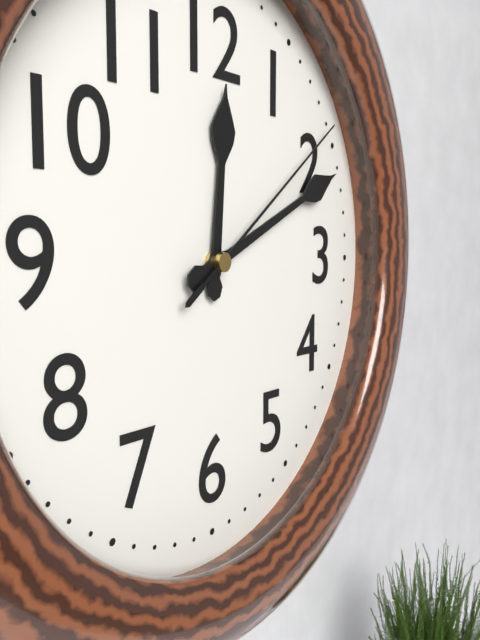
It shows {"hour": 12, "minute": 11, "second": 9}
